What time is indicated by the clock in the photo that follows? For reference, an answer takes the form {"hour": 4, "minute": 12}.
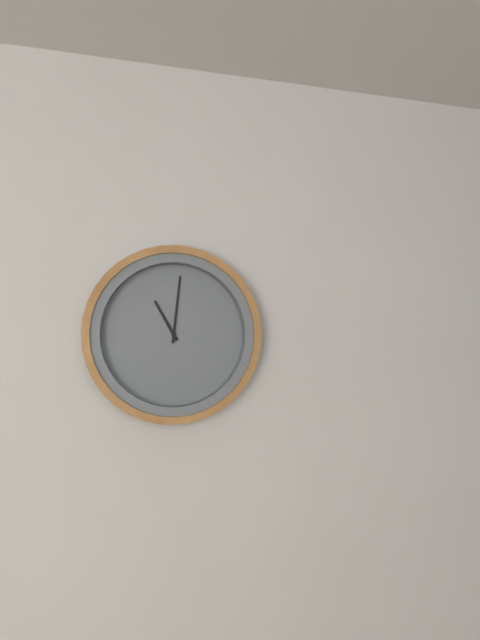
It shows {"hour": 11, "minute": 1}
